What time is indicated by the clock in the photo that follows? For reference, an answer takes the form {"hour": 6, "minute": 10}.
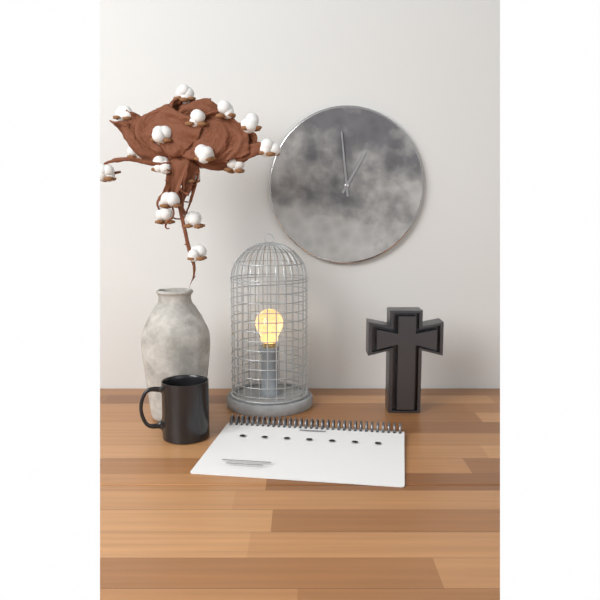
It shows {"hour": 12, "minute": 59}
